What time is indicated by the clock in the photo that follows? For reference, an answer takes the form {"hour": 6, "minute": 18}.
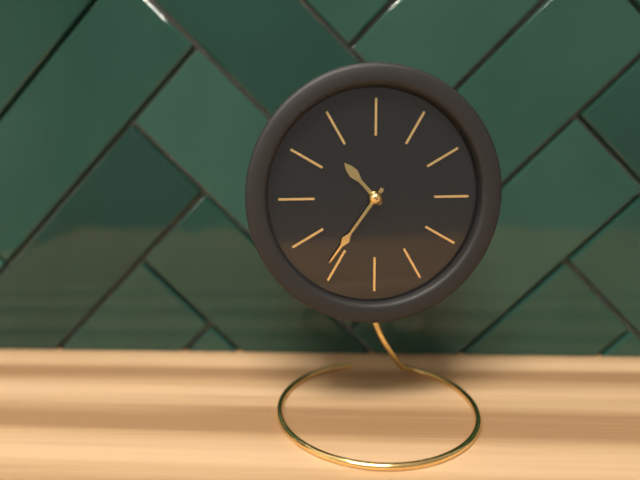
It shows {"hour": 10, "minute": 36}
